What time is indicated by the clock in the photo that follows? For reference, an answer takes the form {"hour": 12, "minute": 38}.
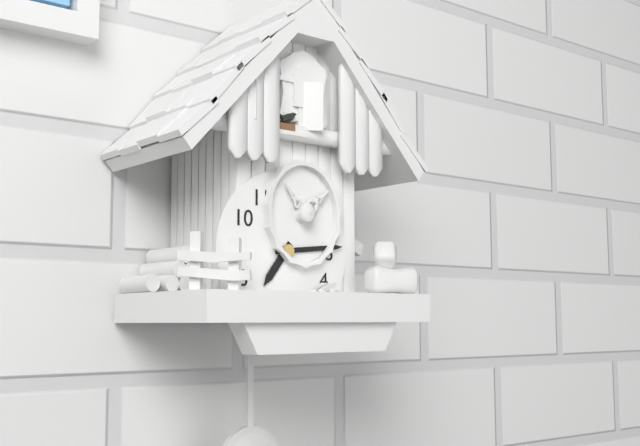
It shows {"hour": 7, "minute": 14}
